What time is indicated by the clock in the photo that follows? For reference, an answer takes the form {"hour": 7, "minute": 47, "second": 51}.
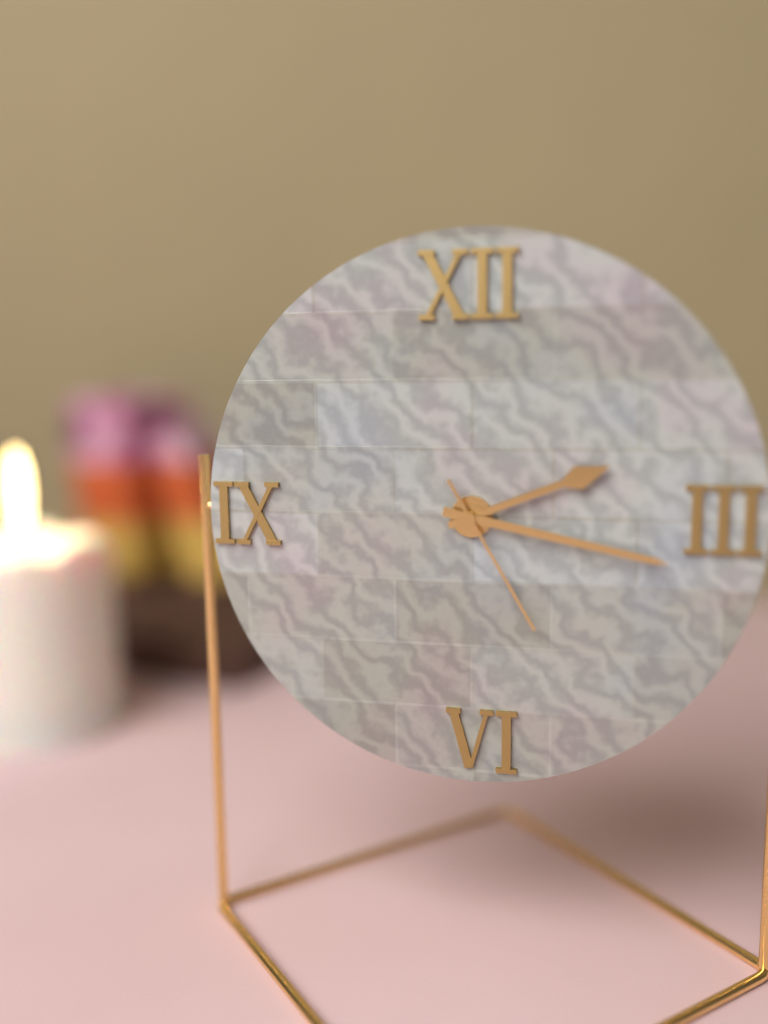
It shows {"hour": 2, "minute": 17, "second": 25}
